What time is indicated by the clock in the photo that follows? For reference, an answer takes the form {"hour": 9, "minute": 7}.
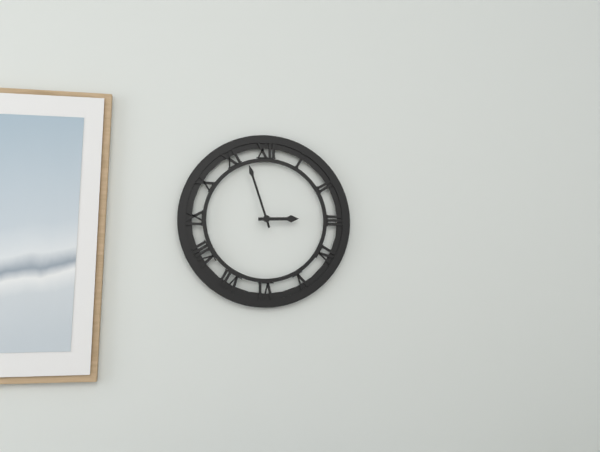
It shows {"hour": 2, "minute": 57}
